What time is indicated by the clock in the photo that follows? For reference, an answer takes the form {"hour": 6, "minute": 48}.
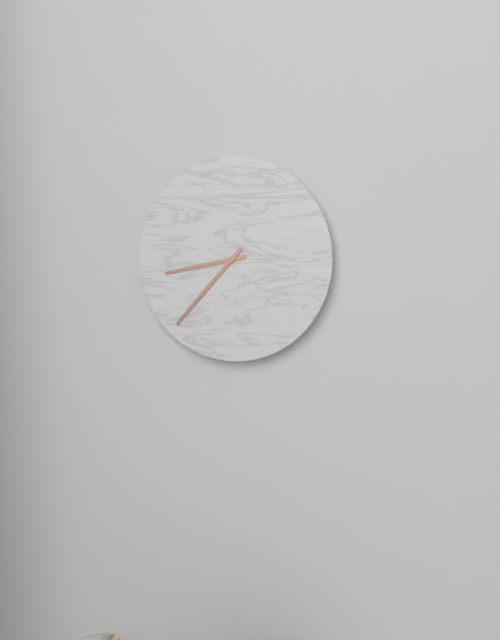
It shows {"hour": 8, "minute": 37}
